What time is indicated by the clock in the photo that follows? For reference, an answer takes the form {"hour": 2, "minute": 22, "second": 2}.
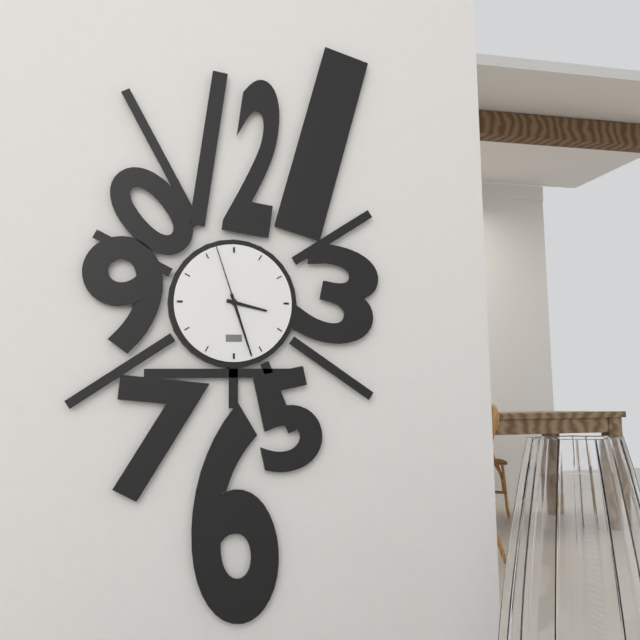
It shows {"hour": 3, "minute": 27, "second": 57}
